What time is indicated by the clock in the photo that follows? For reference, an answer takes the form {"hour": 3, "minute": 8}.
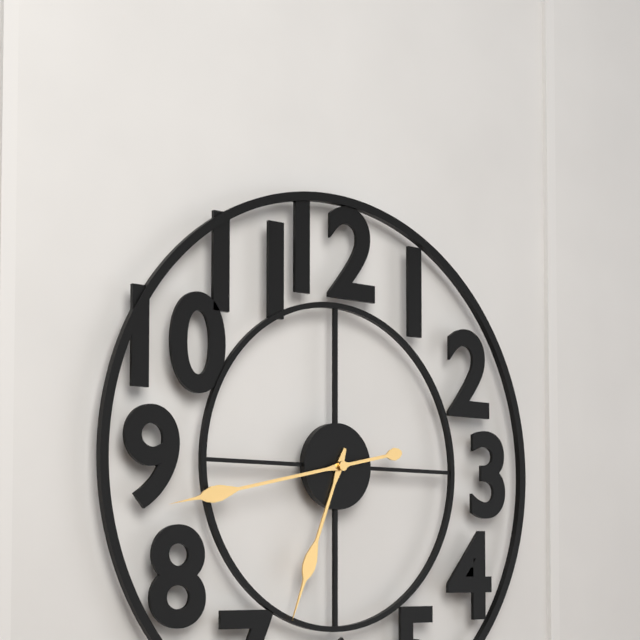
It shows {"hour": 6, "minute": 43}
